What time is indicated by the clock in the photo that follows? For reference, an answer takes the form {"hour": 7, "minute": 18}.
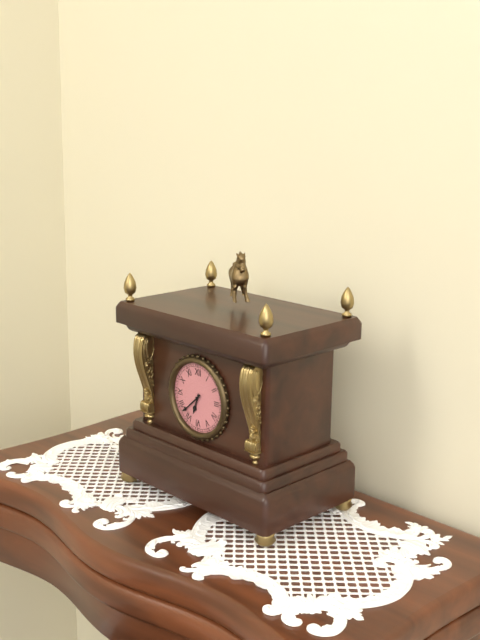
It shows {"hour": 6, "minute": 38}
